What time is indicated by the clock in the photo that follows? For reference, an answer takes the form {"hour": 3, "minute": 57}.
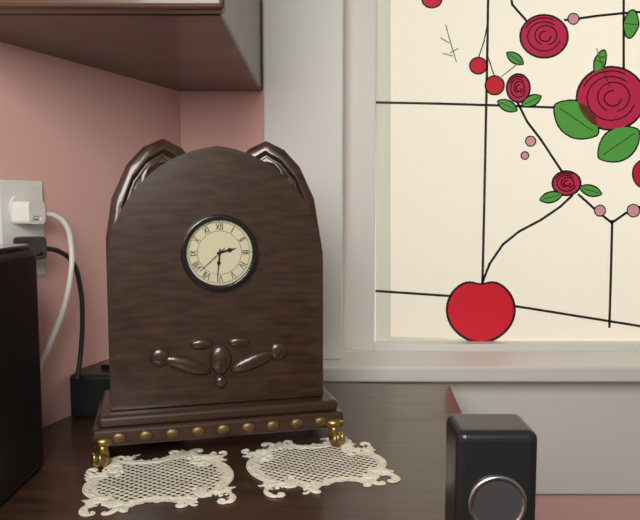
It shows {"hour": 2, "minute": 31}
